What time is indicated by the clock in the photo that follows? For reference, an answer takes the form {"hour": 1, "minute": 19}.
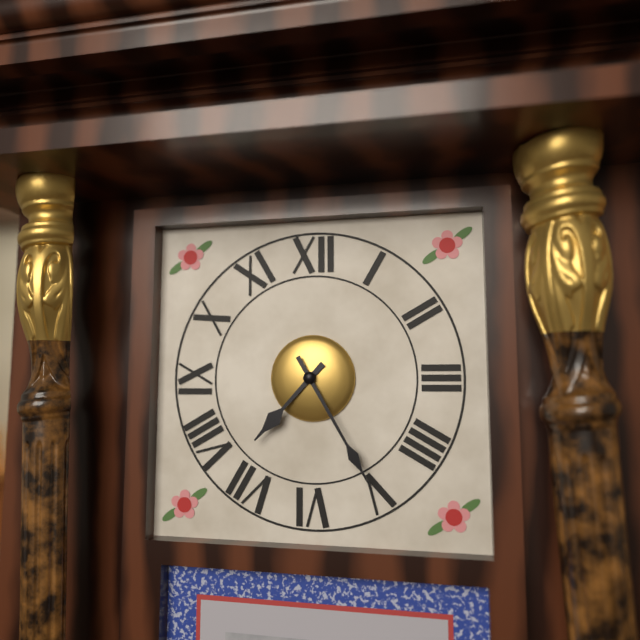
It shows {"hour": 7, "minute": 25}
